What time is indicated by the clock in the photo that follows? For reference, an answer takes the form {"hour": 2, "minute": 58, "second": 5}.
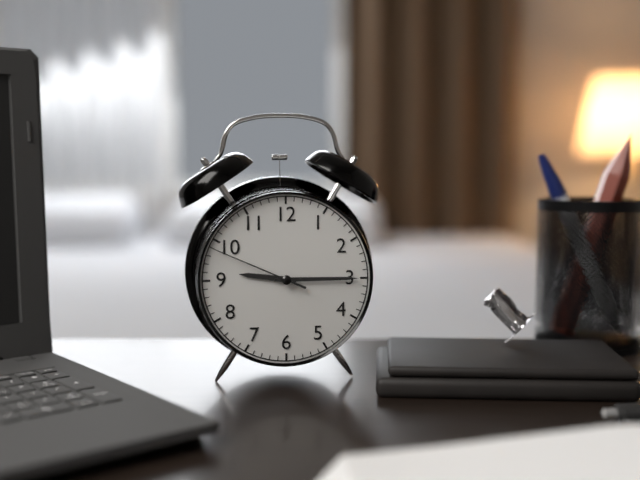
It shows {"hour": 9, "minute": 15, "second": 49}
